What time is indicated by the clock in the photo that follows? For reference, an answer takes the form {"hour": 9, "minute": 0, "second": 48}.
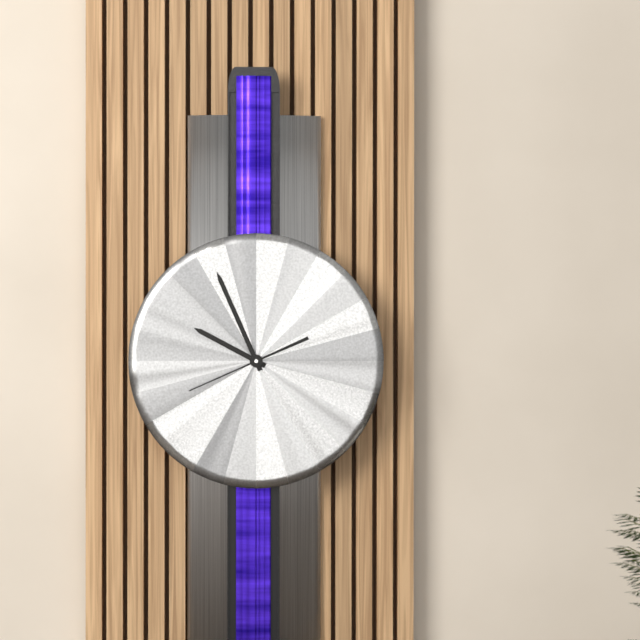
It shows {"hour": 9, "minute": 56, "second": 41}
